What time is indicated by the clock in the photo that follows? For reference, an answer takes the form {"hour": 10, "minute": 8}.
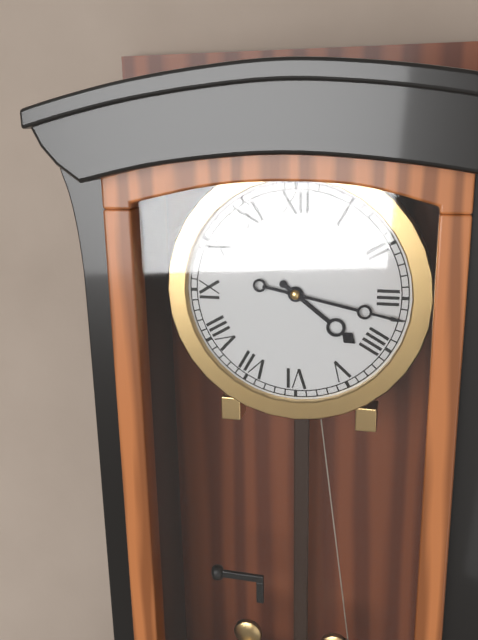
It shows {"hour": 4, "minute": 17}
